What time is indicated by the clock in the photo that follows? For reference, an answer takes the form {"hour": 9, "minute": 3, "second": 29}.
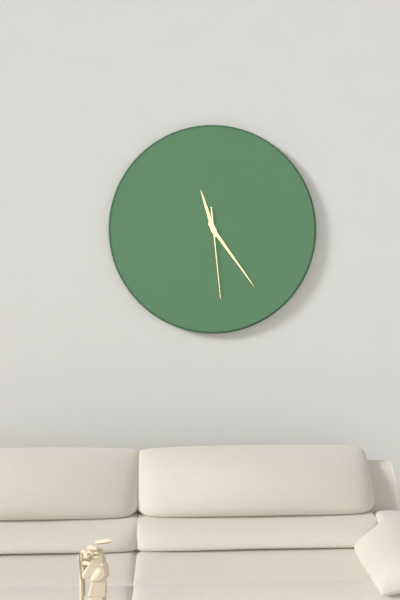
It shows {"hour": 11, "minute": 24, "second": 29}
